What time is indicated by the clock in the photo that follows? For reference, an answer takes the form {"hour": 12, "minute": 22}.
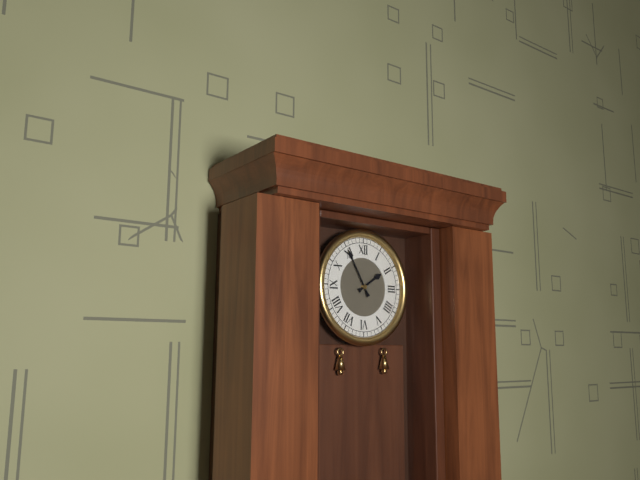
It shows {"hour": 1, "minute": 55}
